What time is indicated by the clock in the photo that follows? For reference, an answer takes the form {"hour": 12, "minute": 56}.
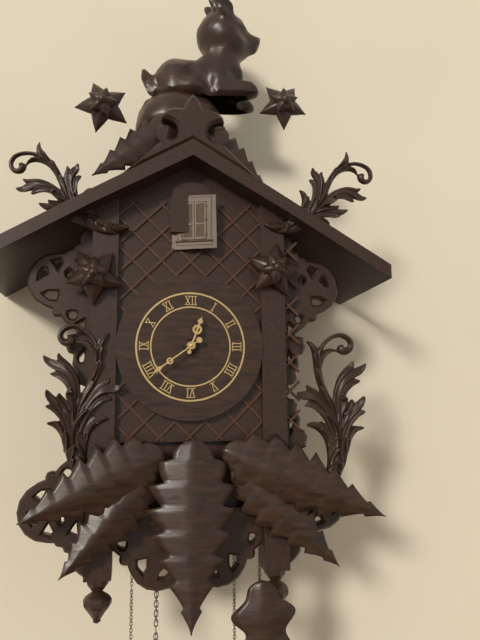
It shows {"hour": 12, "minute": 39}
